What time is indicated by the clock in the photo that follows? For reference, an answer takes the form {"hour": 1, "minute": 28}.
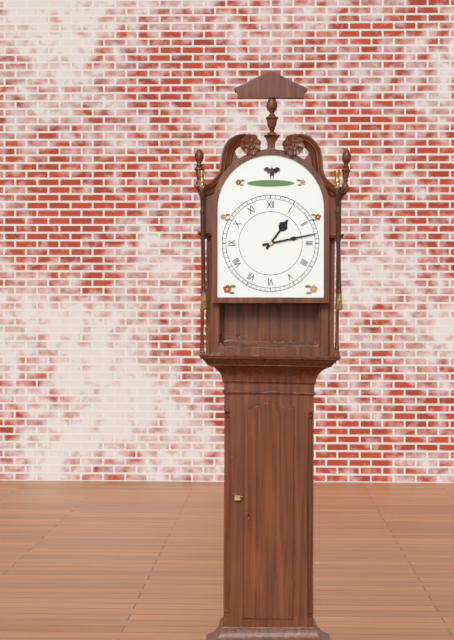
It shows {"hour": 1, "minute": 13}
